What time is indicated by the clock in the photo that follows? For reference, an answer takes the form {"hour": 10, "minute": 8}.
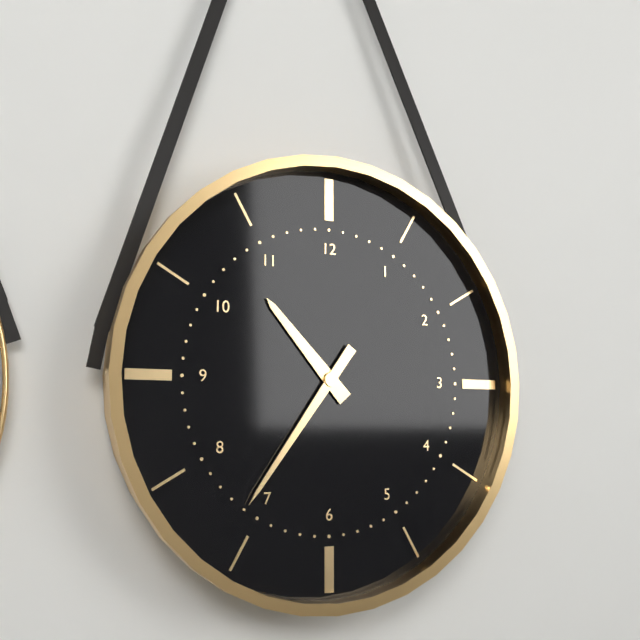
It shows {"hour": 10, "minute": 36}
